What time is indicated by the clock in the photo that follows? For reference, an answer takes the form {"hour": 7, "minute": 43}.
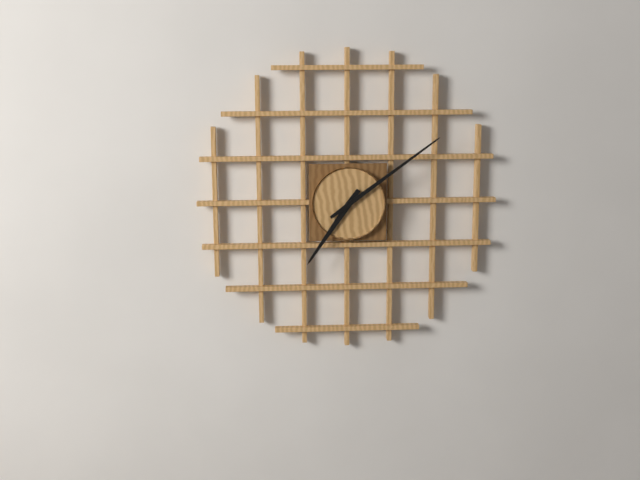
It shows {"hour": 7, "minute": 9}
